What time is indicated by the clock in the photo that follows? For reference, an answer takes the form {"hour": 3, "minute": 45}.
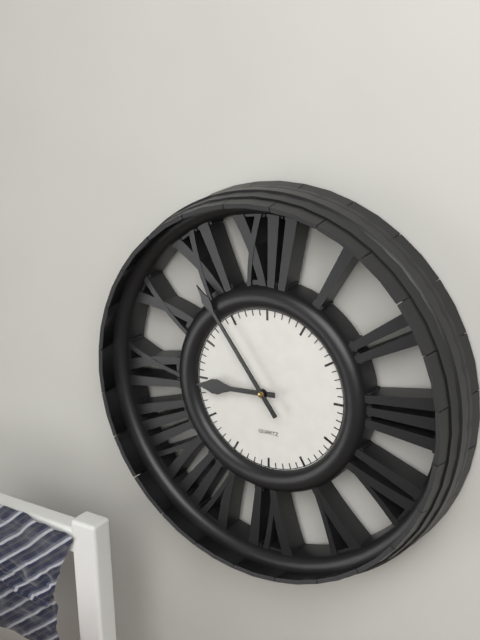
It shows {"hour": 8, "minute": 54}
